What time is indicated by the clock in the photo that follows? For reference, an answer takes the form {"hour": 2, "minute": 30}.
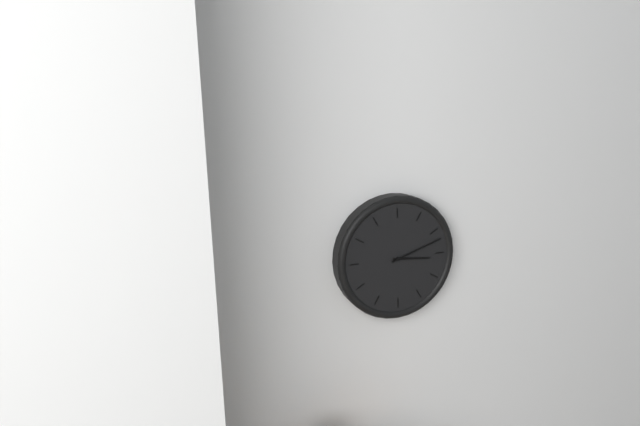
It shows {"hour": 3, "minute": 12}
